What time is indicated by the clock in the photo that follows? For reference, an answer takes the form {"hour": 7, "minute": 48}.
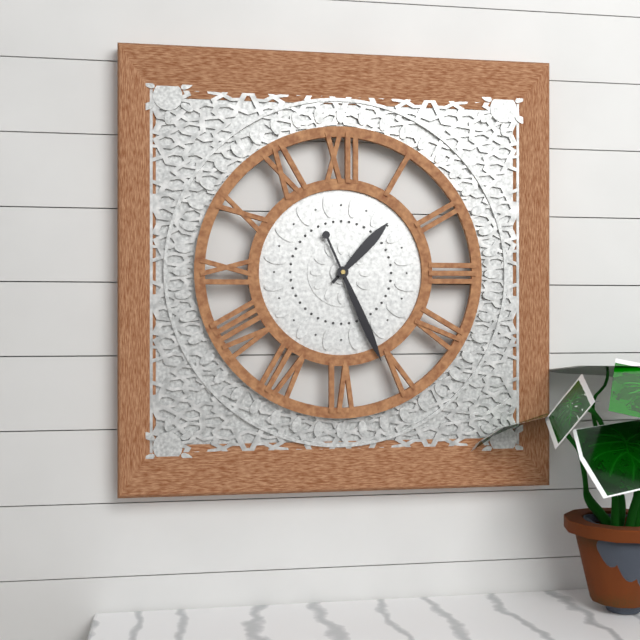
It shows {"hour": 1, "minute": 26}
